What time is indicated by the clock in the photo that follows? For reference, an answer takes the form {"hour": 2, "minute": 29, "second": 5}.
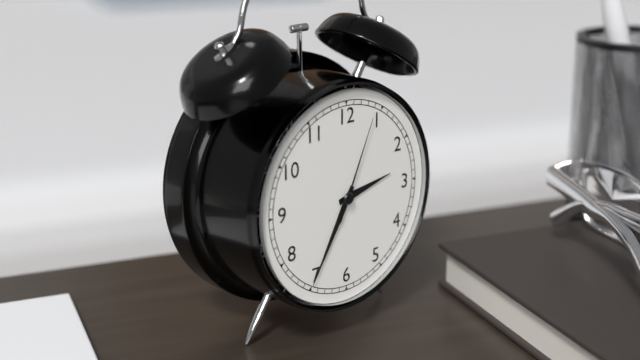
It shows {"hour": 2, "minute": 35, "second": 4}
